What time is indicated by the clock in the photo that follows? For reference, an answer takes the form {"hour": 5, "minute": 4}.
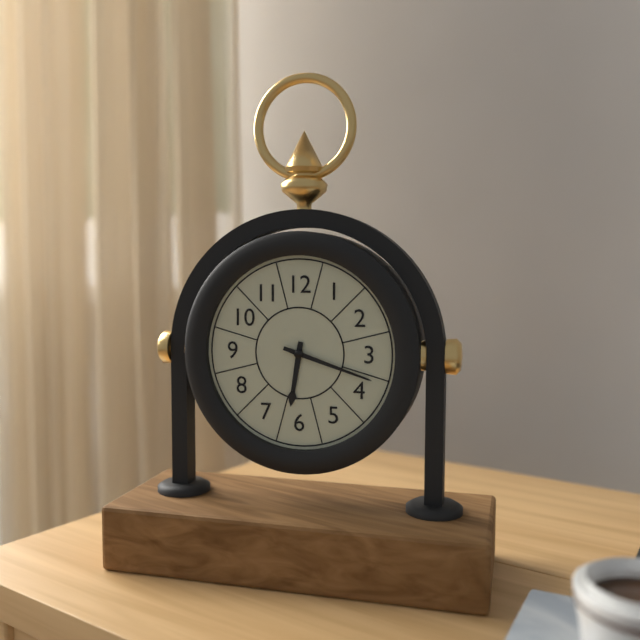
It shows {"hour": 6, "minute": 18}
